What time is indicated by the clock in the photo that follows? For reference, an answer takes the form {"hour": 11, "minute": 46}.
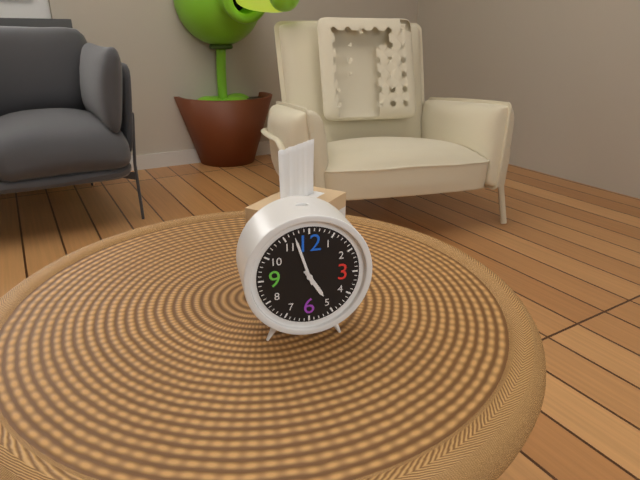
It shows {"hour": 4, "minute": 57}
